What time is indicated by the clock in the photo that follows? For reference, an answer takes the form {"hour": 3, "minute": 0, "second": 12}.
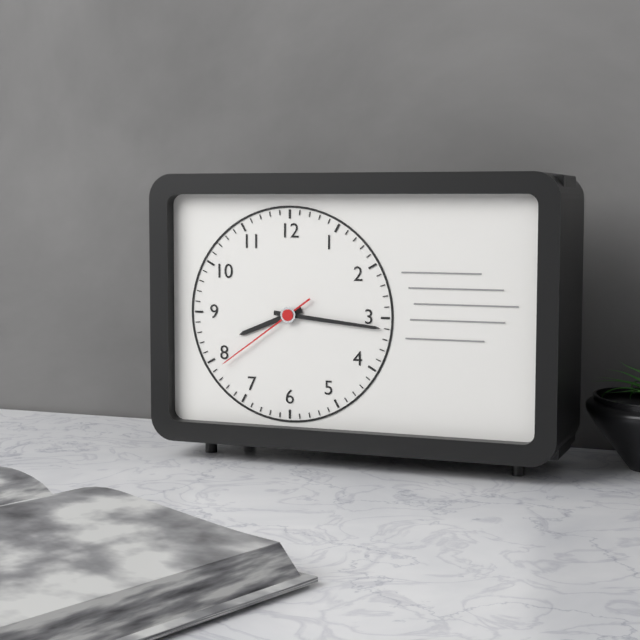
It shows {"hour": 8, "minute": 16, "second": 39}
